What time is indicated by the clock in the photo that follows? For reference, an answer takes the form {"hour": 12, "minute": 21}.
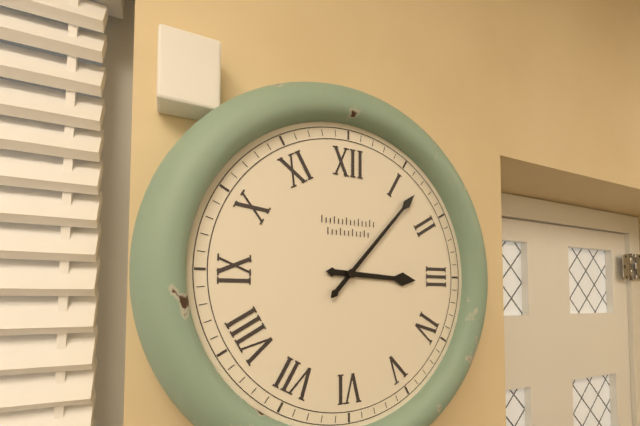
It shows {"hour": 3, "minute": 7}
